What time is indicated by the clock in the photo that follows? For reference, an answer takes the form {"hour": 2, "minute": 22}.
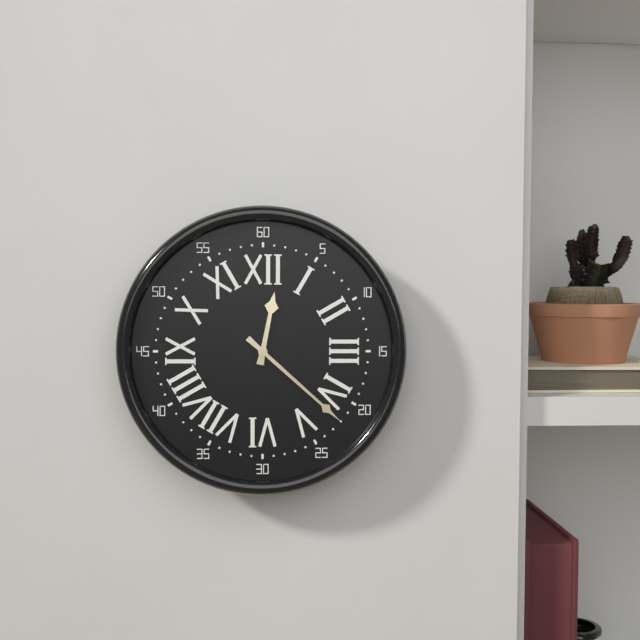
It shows {"hour": 12, "minute": 22}
